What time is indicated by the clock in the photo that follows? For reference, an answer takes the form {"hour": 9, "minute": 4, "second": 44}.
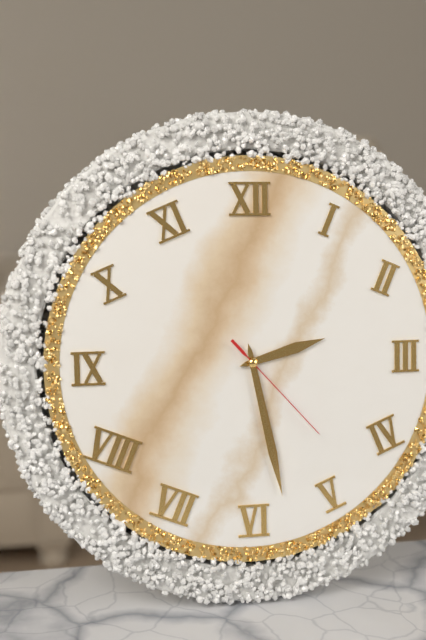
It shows {"hour": 2, "minute": 28, "second": 23}
